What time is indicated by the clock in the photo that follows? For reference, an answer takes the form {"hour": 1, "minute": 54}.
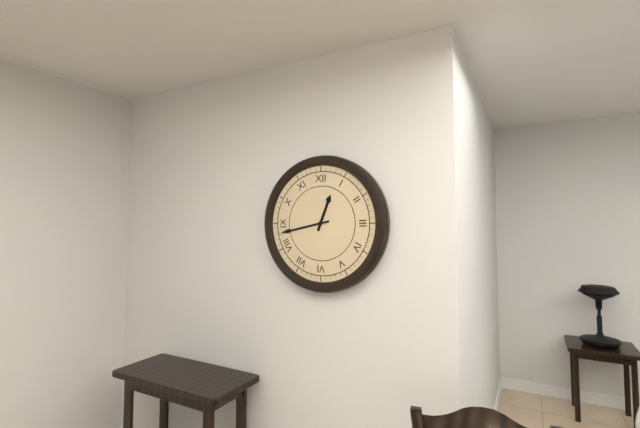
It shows {"hour": 12, "minute": 43}
